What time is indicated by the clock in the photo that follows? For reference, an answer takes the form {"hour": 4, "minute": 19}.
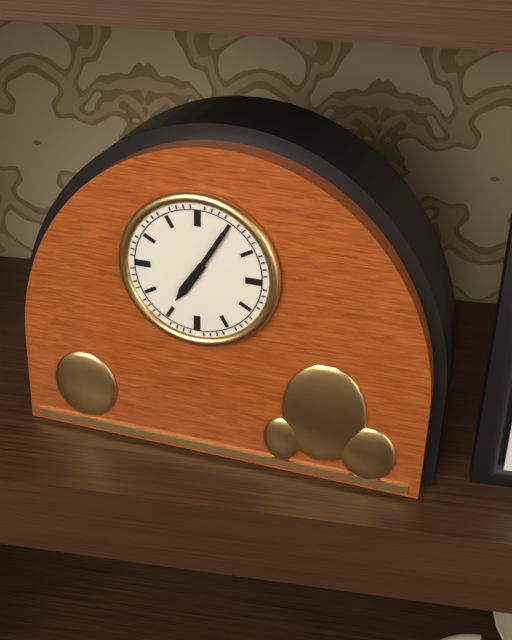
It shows {"hour": 7, "minute": 5}
